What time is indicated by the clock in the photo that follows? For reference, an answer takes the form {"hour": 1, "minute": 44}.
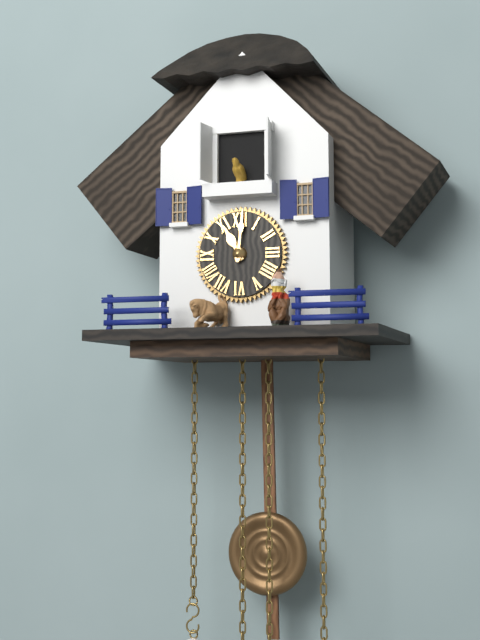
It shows {"hour": 11, "minute": 1}
